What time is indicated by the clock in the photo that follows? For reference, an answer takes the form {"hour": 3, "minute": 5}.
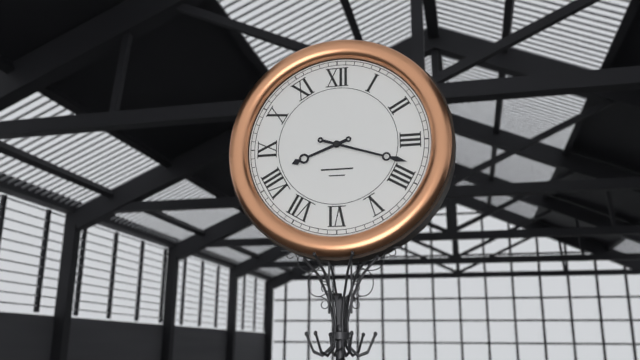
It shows {"hour": 8, "minute": 18}
